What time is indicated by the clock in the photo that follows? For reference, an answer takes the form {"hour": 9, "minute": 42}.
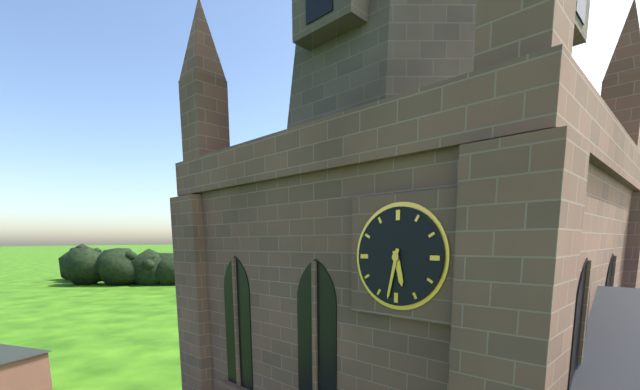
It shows {"hour": 5, "minute": 32}
